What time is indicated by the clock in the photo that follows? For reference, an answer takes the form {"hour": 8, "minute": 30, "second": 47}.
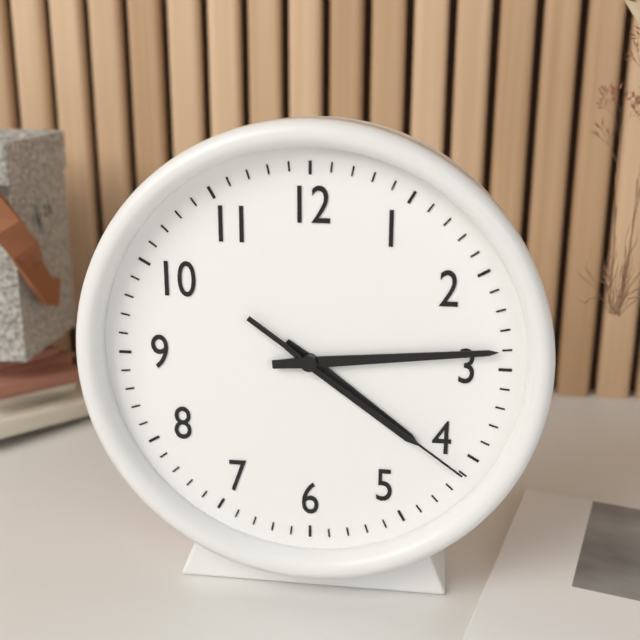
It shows {"hour": 4, "minute": 14, "second": 21}
